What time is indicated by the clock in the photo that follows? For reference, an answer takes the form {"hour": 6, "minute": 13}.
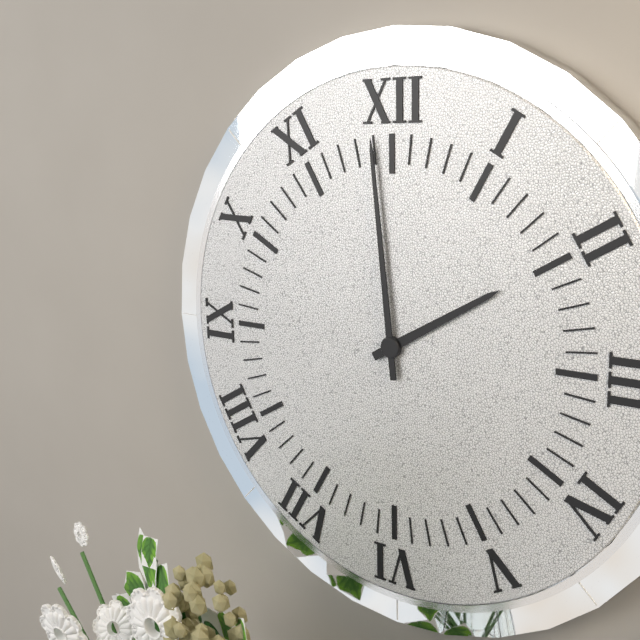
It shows {"hour": 1, "minute": 59}
